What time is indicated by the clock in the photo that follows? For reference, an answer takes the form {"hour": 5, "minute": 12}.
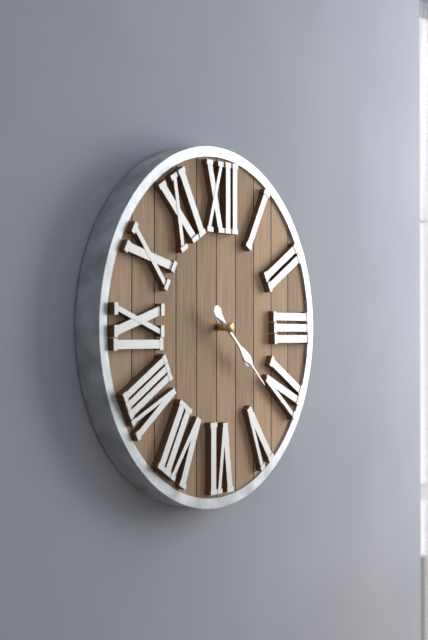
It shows {"hour": 4, "minute": 22}
